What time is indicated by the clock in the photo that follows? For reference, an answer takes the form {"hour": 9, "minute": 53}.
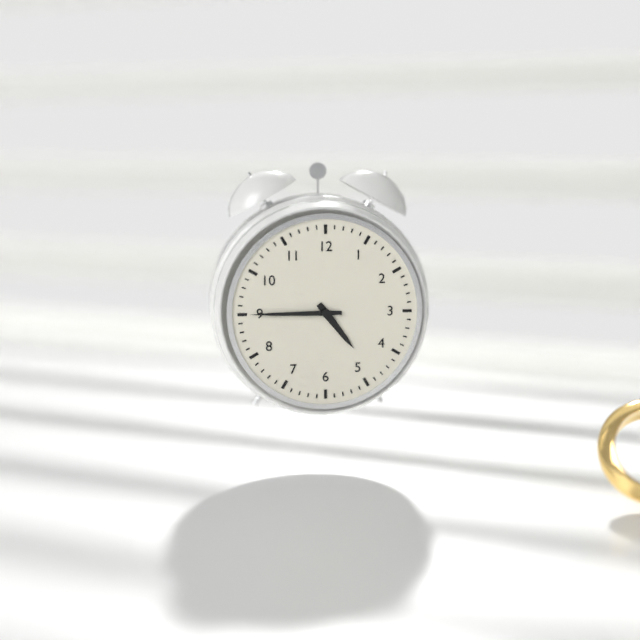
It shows {"hour": 4, "minute": 45}
